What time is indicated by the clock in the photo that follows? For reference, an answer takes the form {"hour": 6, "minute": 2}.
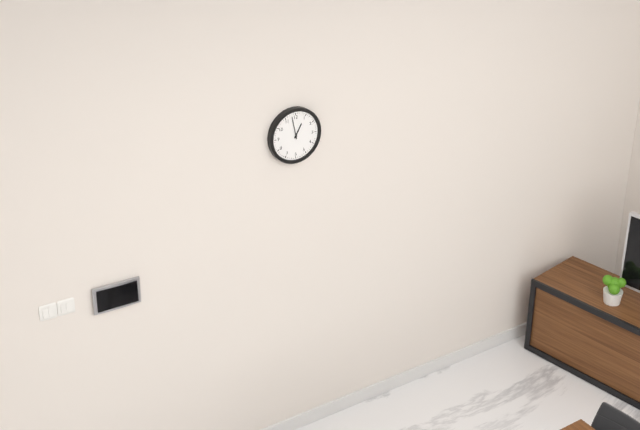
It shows {"hour": 12, "minute": 58}
